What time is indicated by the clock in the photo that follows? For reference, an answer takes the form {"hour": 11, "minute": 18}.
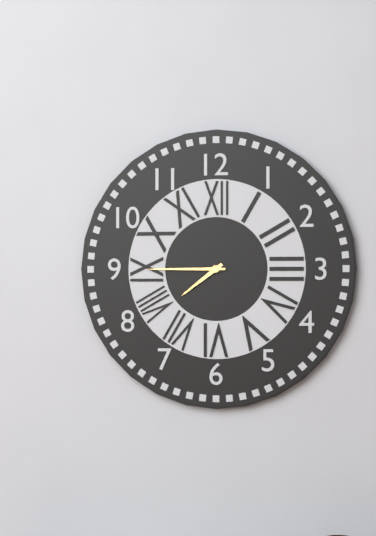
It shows {"hour": 7, "minute": 45}
